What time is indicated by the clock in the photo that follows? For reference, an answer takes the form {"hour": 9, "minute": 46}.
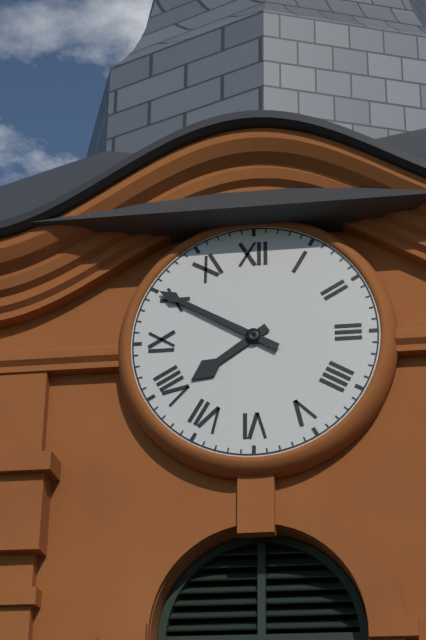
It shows {"hour": 7, "minute": 50}
